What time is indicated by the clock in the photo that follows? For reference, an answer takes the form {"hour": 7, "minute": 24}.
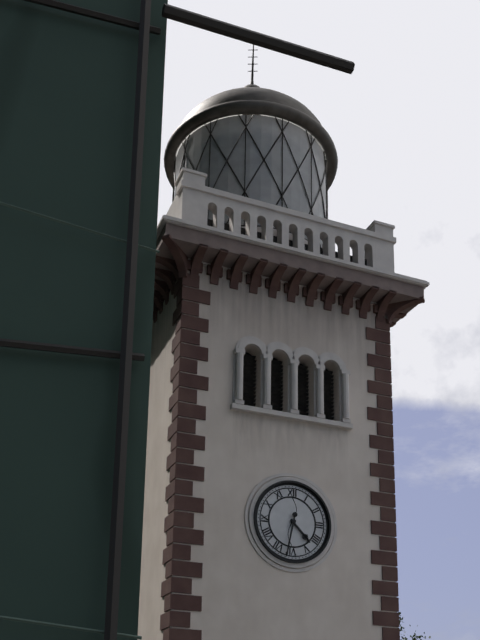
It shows {"hour": 4, "minute": 32}
